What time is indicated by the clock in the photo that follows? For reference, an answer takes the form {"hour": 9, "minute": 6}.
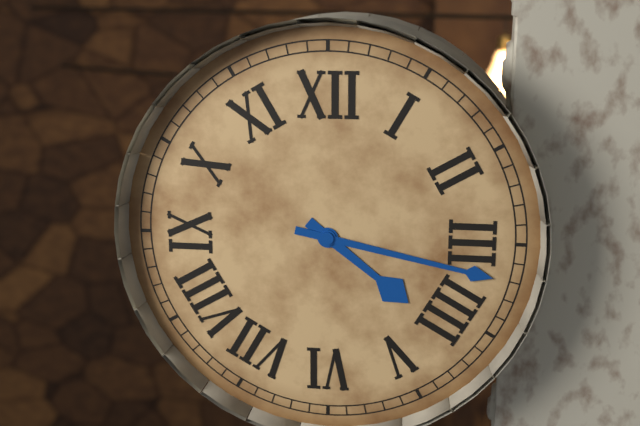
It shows {"hour": 4, "minute": 17}
